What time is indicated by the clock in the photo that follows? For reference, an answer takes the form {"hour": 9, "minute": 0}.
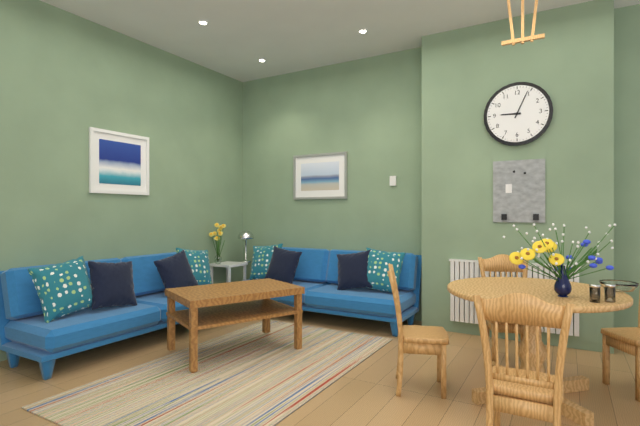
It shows {"hour": 9, "minute": 4}
